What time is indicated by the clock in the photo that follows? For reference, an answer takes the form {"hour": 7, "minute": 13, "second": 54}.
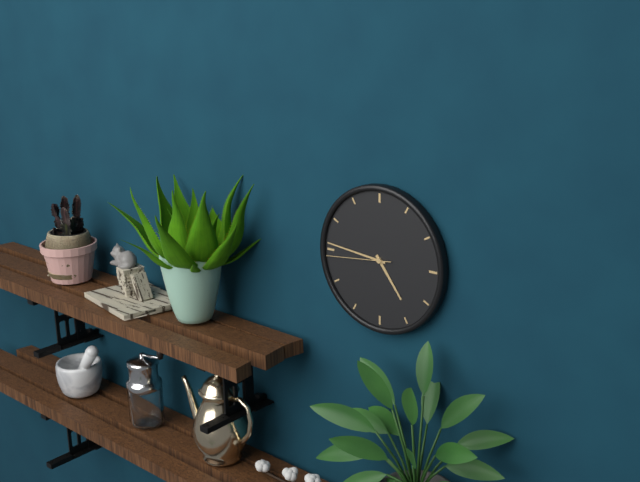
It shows {"hour": 4, "minute": 46, "second": 44}
